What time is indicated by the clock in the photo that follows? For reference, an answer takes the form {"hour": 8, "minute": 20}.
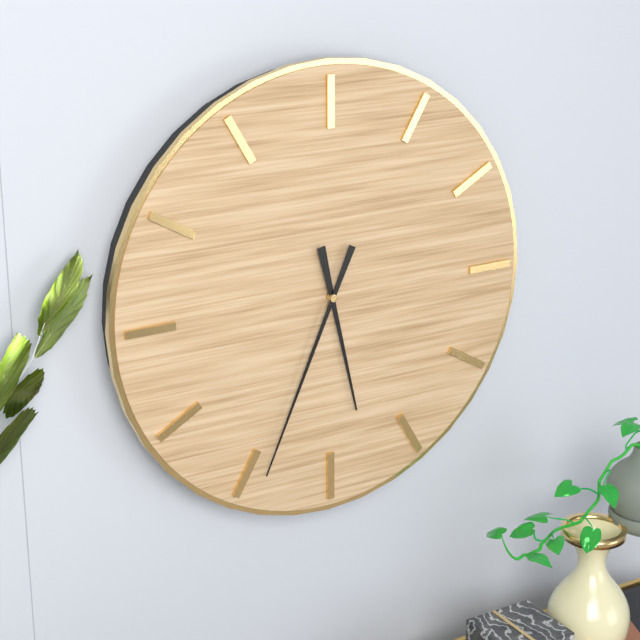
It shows {"hour": 5, "minute": 34}
